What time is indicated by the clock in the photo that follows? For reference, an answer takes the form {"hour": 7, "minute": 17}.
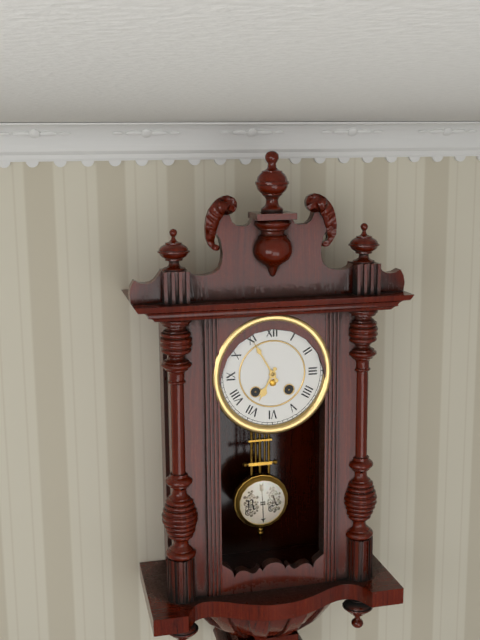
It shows {"hour": 6, "minute": 55}
